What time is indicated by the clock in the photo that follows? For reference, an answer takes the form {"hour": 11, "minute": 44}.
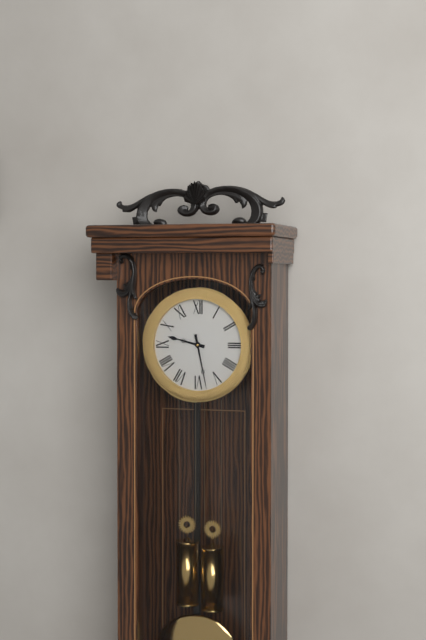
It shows {"hour": 9, "minute": 28}
